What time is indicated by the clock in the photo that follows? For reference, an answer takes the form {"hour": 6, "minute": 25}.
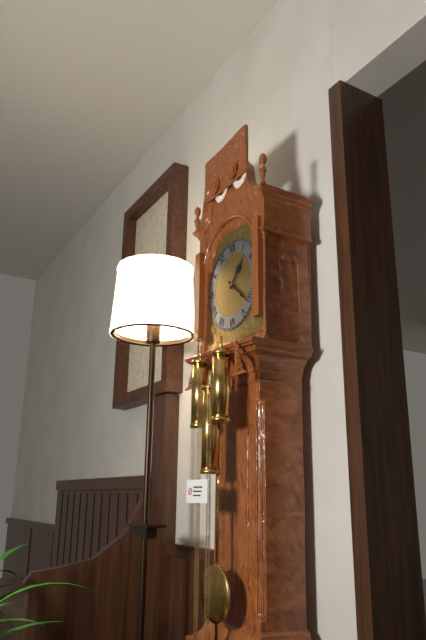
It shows {"hour": 1, "minute": 22}
